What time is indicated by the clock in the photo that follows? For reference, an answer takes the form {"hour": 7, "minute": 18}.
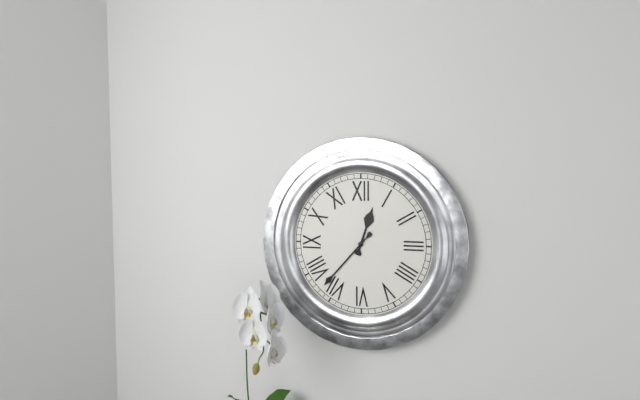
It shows {"hour": 12, "minute": 37}
